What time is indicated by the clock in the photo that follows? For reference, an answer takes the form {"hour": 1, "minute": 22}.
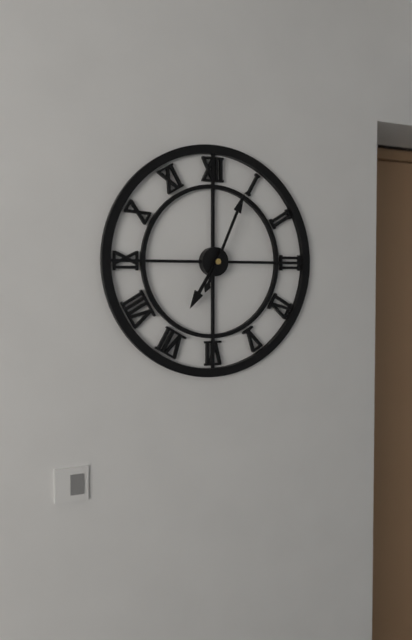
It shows {"hour": 7, "minute": 4}
